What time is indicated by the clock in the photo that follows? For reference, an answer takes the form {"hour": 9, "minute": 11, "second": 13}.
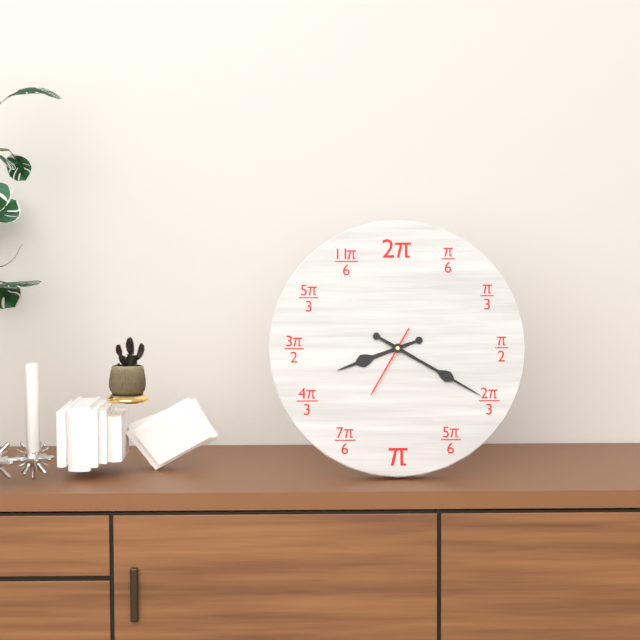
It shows {"hour": 8, "minute": 20, "second": 35}
